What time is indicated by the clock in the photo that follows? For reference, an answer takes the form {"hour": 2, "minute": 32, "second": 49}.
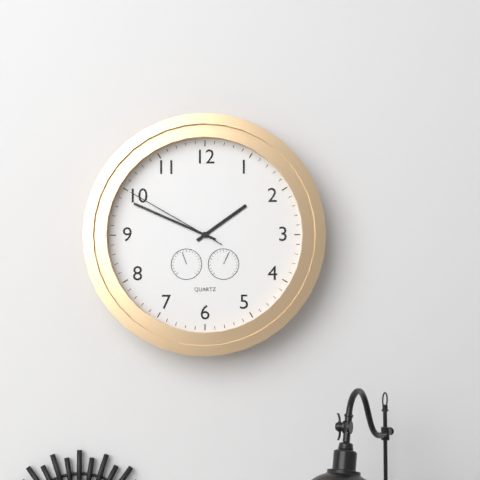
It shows {"hour": 1, "minute": 49, "second": 50}
